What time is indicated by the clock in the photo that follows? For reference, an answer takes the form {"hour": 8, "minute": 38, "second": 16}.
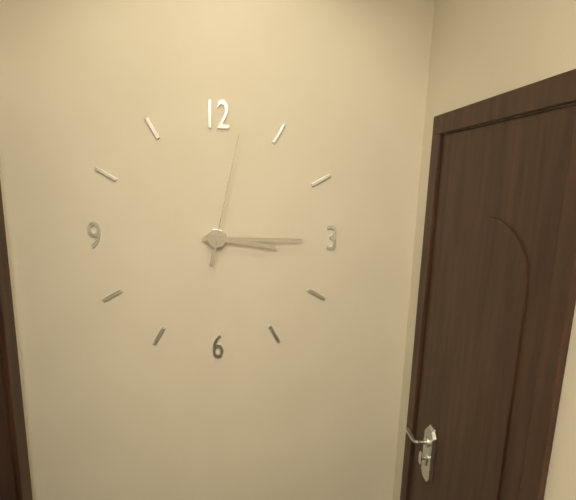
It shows {"hour": 3, "minute": 15, "second": 2}
